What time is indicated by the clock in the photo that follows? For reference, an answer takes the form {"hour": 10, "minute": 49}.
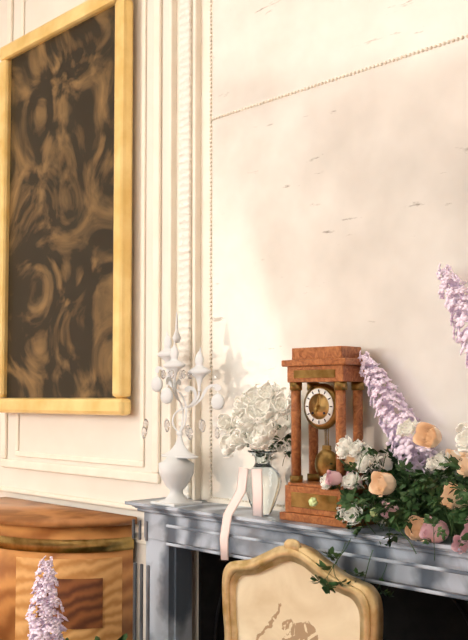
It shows {"hour": 7, "minute": 2}
